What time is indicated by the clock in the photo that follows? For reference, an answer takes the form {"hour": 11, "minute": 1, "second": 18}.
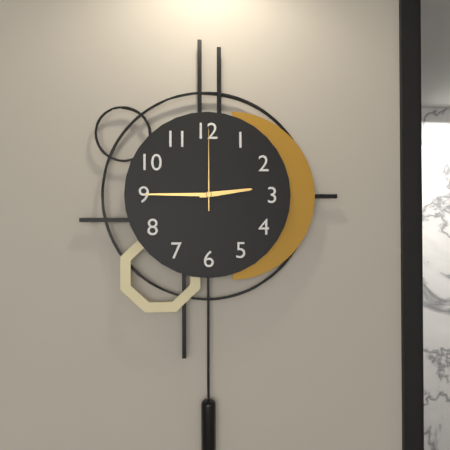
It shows {"hour": 2, "minute": 45, "second": 0}
